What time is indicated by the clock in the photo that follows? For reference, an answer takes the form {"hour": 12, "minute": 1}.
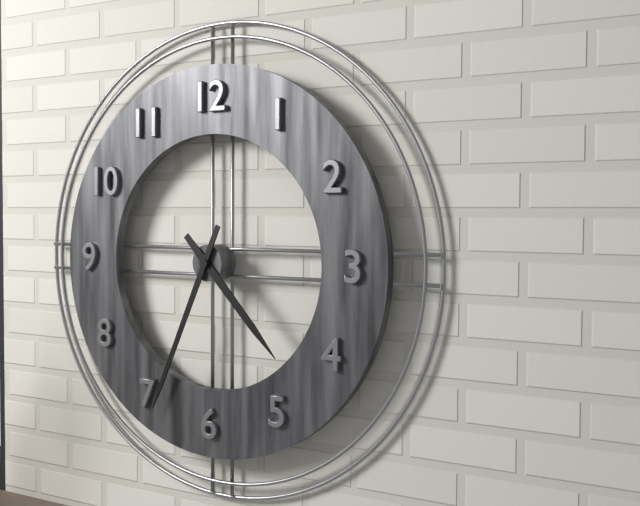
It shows {"hour": 4, "minute": 34}
